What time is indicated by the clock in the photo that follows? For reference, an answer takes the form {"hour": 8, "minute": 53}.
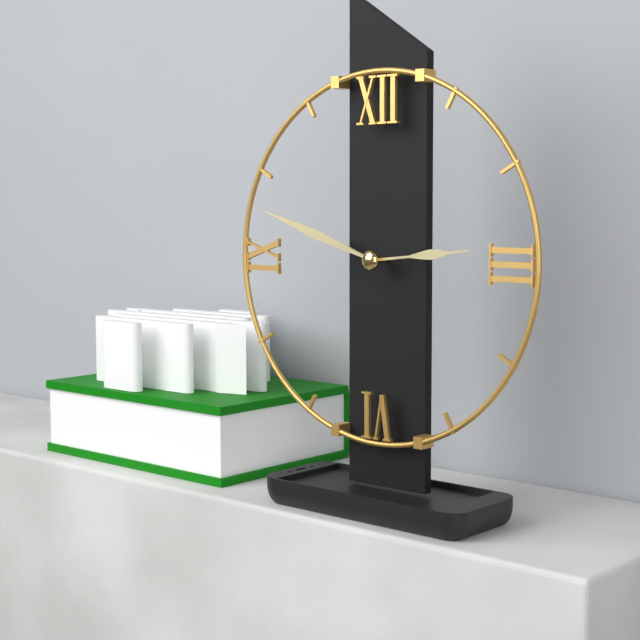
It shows {"hour": 2, "minute": 48}
